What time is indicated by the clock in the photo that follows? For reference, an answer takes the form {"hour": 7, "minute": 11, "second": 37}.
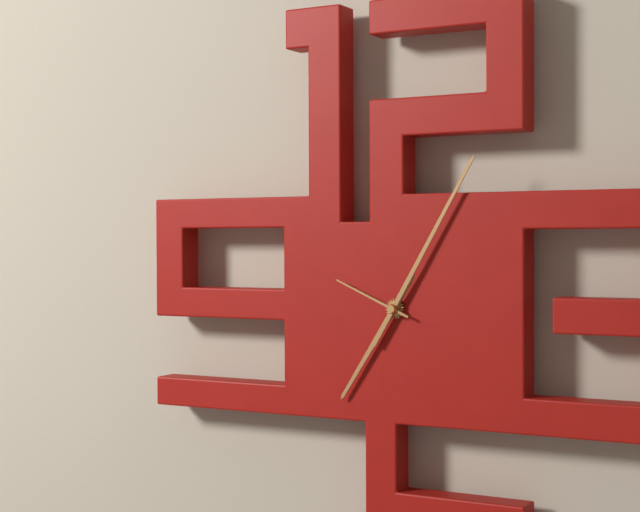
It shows {"hour": 7, "minute": 5, "second": 49}
